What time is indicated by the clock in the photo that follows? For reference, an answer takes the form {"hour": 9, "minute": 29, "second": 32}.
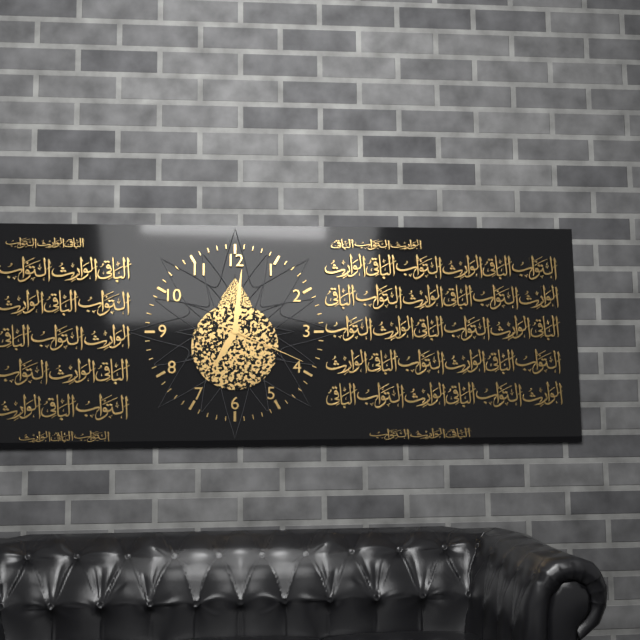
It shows {"hour": 7, "minute": 1, "second": 19}
